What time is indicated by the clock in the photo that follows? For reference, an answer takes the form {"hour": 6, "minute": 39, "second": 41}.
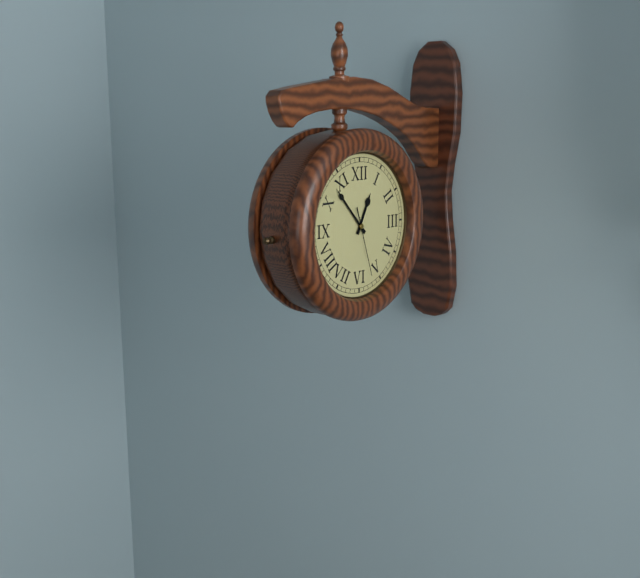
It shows {"hour": 12, "minute": 53, "second": 27}
